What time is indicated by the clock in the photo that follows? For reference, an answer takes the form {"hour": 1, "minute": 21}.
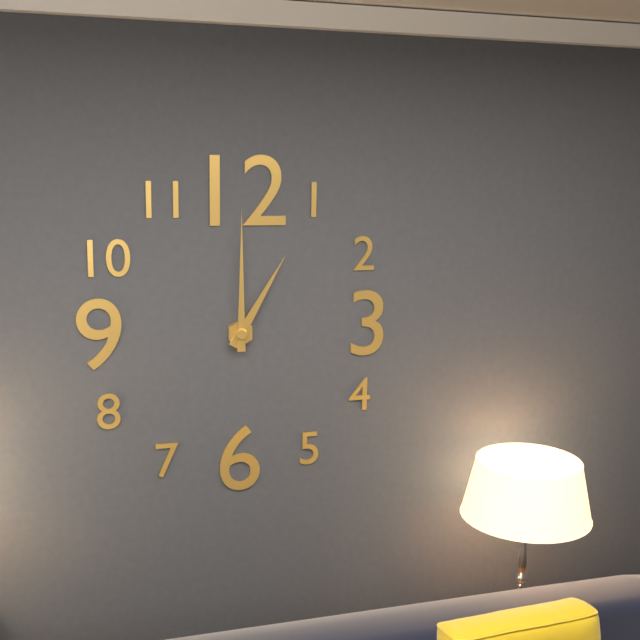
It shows {"hour": 1, "minute": 0}
